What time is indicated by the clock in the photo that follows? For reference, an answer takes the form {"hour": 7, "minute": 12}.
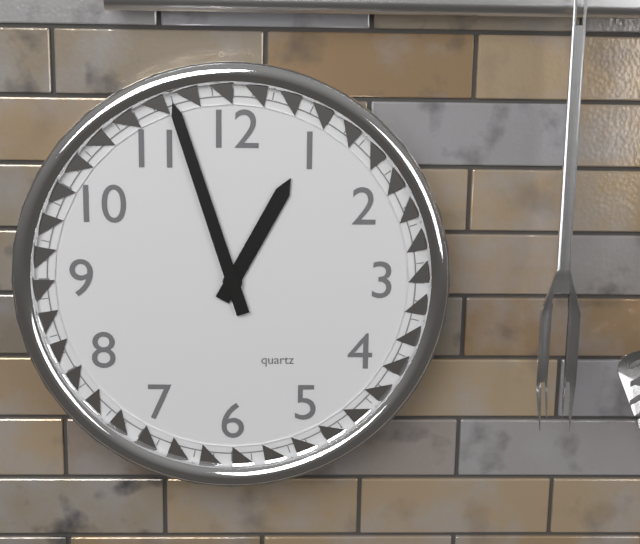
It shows {"hour": 12, "minute": 57}
